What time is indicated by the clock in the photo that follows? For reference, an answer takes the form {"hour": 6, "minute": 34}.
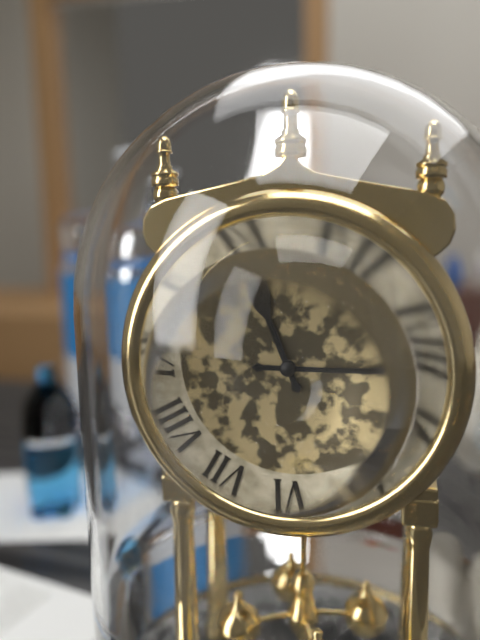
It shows {"hour": 11, "minute": 15}
